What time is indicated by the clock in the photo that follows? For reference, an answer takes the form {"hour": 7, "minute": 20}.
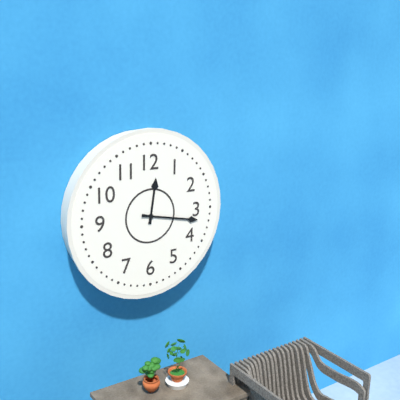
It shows {"hour": 12, "minute": 17}
